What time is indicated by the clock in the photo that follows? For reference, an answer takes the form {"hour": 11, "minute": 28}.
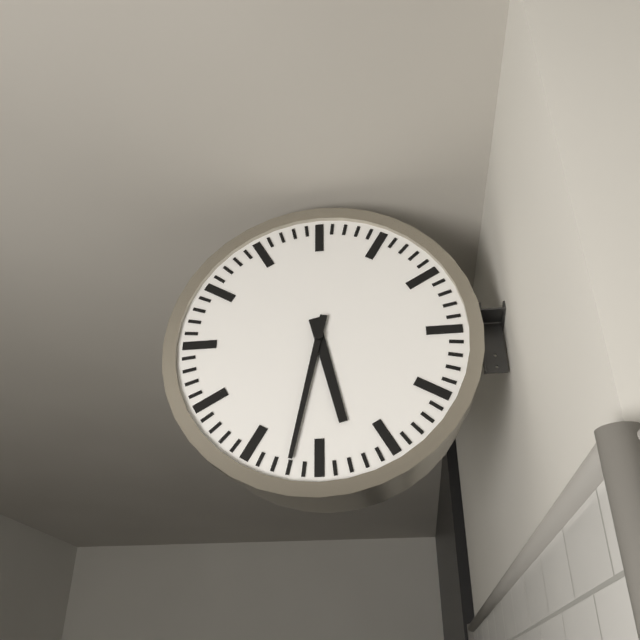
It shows {"hour": 5, "minute": 32}
